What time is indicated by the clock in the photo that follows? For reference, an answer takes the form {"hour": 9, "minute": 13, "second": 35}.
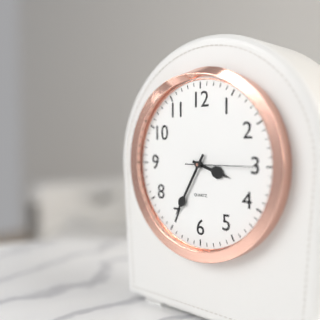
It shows {"hour": 3, "minute": 35, "second": 15}
